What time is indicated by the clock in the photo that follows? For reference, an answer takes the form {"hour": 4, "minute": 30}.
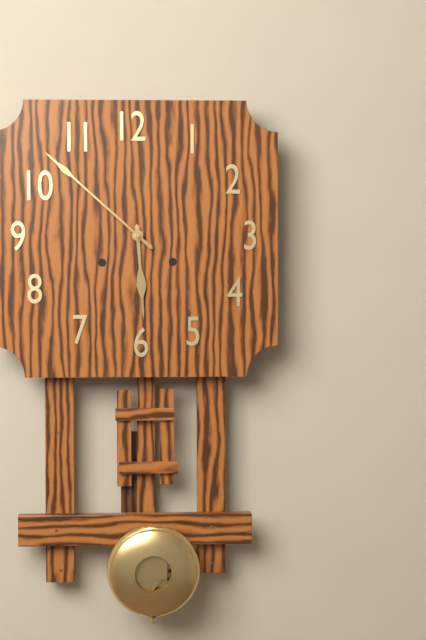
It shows {"hour": 5, "minute": 52}
